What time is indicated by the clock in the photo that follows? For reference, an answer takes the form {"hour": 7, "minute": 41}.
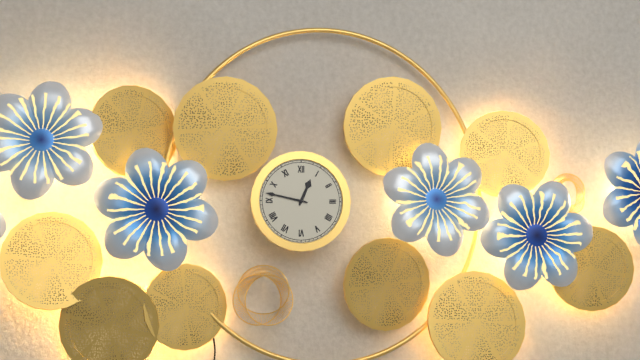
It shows {"hour": 12, "minute": 47}
